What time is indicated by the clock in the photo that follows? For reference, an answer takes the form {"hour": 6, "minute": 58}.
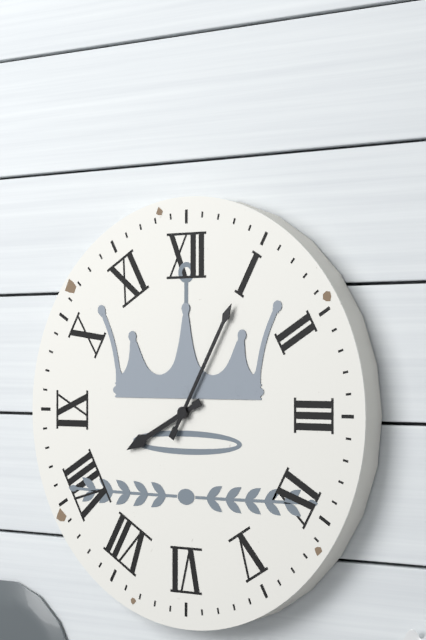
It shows {"hour": 8, "minute": 5}
